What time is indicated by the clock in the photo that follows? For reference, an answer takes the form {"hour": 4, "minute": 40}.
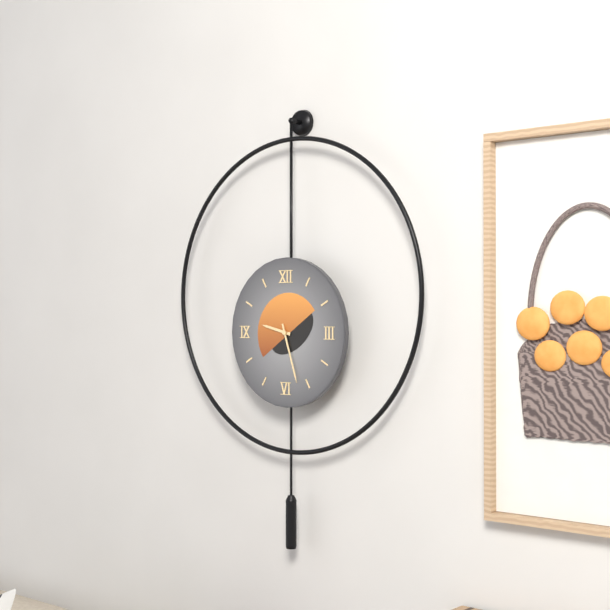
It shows {"hour": 9, "minute": 27}
